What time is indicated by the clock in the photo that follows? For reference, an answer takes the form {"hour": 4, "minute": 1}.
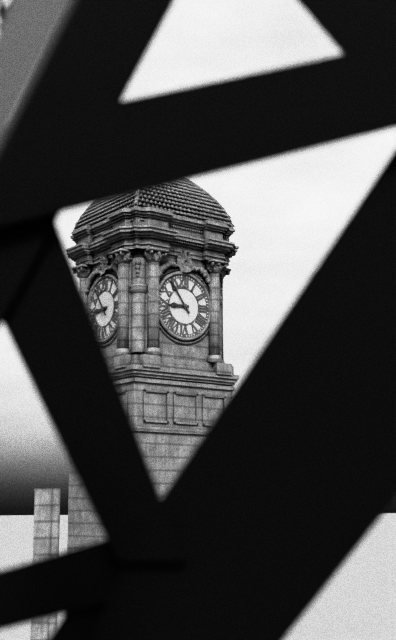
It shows {"hour": 8, "minute": 54}
